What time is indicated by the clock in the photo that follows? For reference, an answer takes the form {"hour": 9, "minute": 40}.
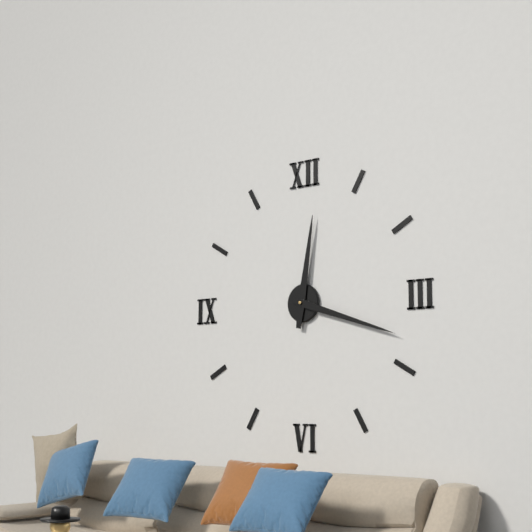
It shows {"hour": 12, "minute": 18}
